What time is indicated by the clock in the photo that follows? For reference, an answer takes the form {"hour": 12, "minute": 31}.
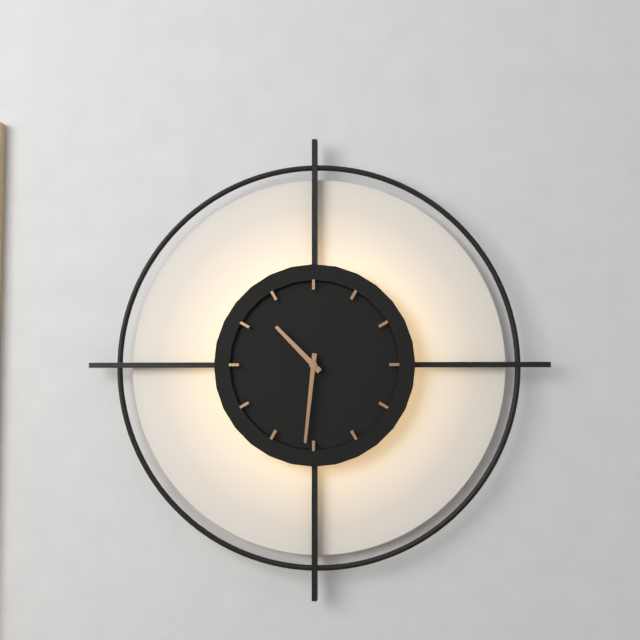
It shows {"hour": 10, "minute": 31}
